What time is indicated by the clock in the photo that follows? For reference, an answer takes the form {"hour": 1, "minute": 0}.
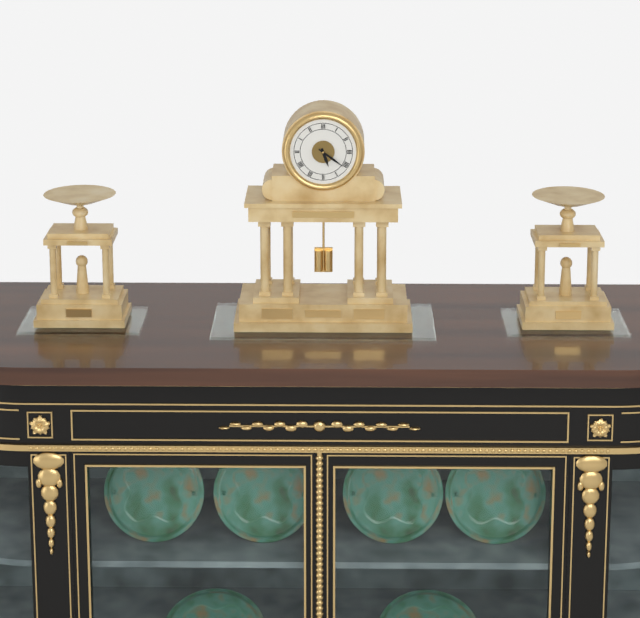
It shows {"hour": 5, "minute": 21}
